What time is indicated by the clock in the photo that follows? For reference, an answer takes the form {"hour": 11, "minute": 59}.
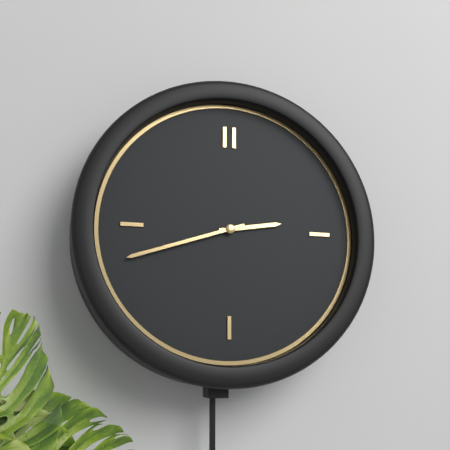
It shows {"hour": 2, "minute": 42}
